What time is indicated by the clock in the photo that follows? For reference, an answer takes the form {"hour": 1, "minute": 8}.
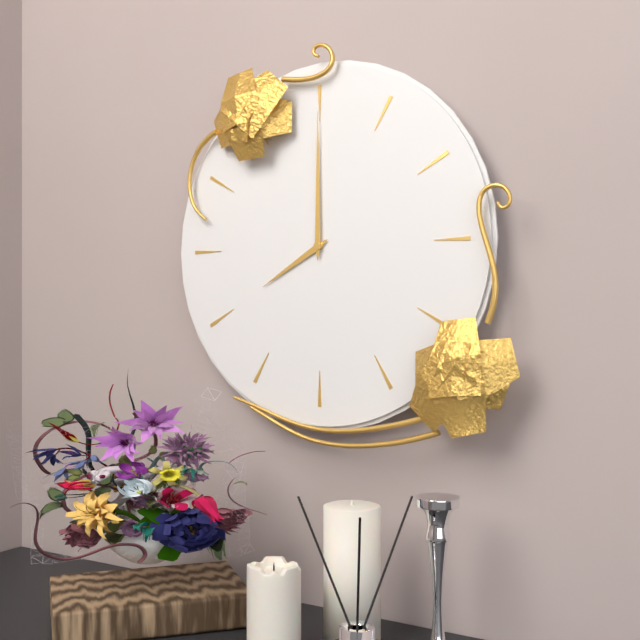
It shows {"hour": 8, "minute": 0}
